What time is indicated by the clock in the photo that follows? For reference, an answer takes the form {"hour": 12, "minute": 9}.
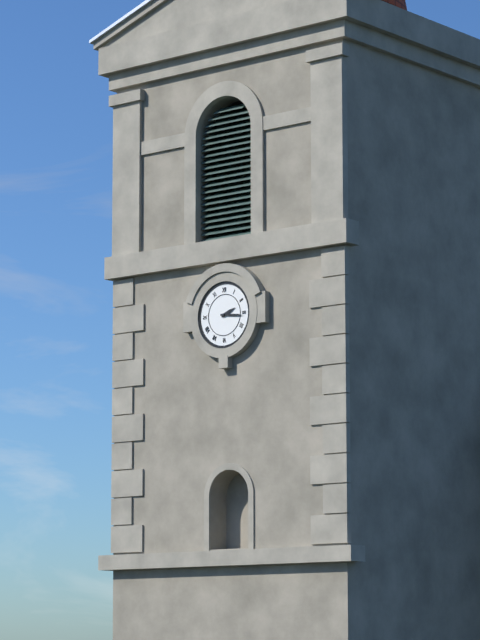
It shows {"hour": 2, "minute": 16}
